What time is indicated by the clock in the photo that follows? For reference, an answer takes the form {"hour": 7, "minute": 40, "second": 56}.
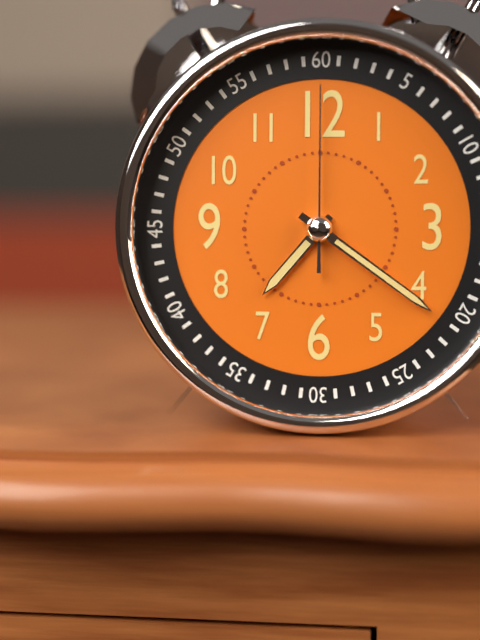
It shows {"hour": 7, "minute": 21, "second": 0}
